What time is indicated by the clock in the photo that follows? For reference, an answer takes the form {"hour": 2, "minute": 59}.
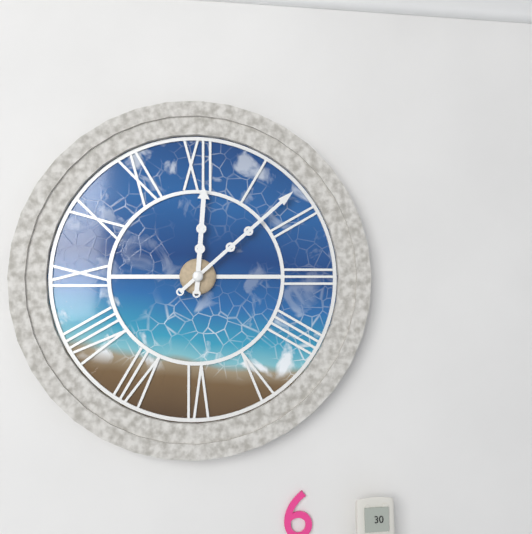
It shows {"hour": 12, "minute": 8}
